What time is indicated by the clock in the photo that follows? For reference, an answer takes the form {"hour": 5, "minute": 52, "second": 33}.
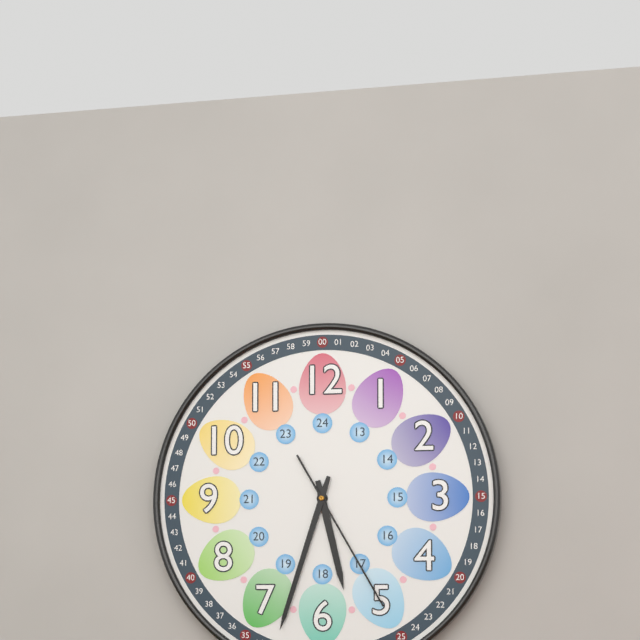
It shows {"hour": 5, "minute": 33, "second": 25}
